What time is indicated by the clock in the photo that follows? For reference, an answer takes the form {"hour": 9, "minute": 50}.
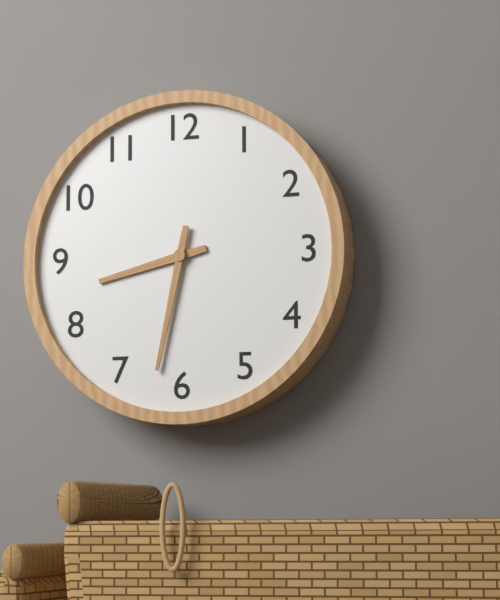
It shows {"hour": 8, "minute": 32}
